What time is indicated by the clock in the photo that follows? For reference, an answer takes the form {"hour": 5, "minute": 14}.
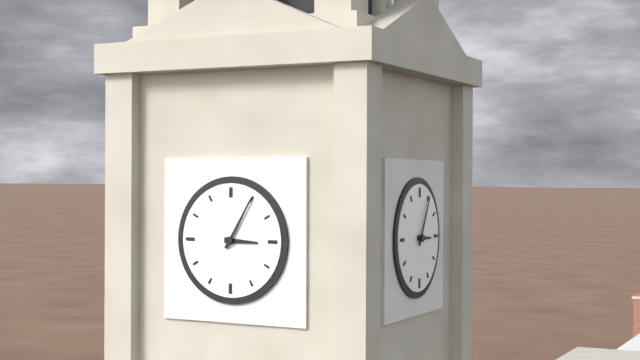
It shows {"hour": 3, "minute": 5}
